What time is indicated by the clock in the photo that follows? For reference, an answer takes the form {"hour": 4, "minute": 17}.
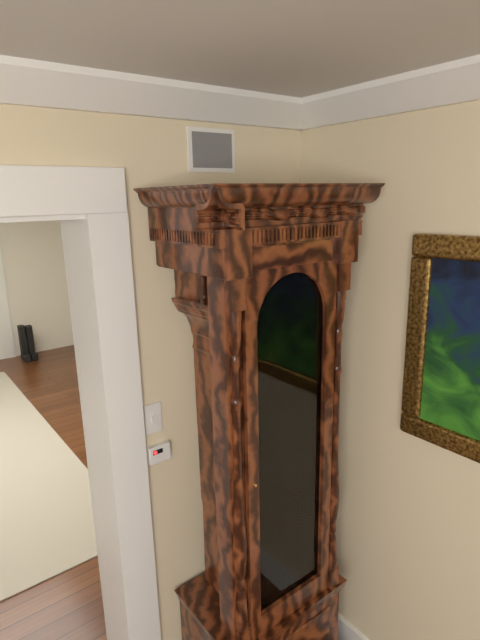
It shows {"hour": 6, "minute": 11}
